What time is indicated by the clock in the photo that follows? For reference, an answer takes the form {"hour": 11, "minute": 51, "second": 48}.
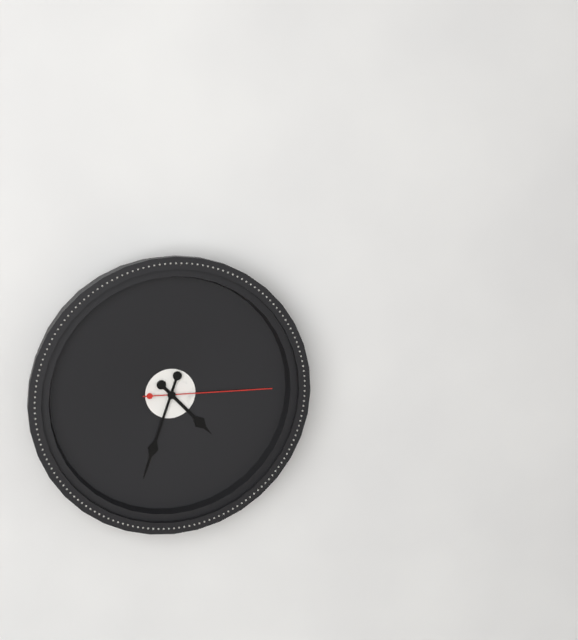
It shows {"hour": 4, "minute": 33, "second": 15}
